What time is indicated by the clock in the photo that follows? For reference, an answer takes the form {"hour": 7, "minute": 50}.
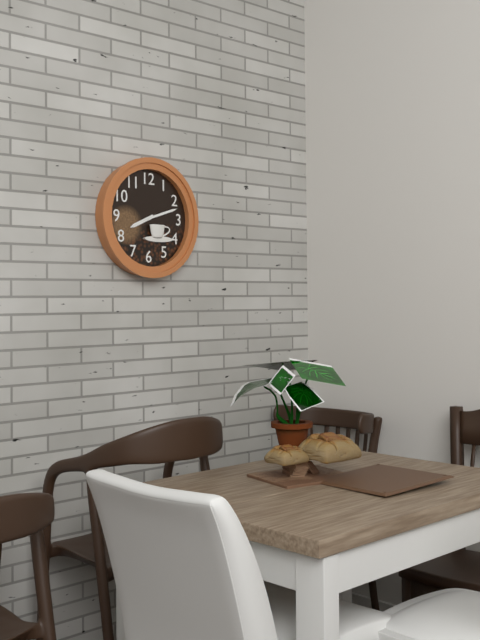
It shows {"hour": 8, "minute": 12}
